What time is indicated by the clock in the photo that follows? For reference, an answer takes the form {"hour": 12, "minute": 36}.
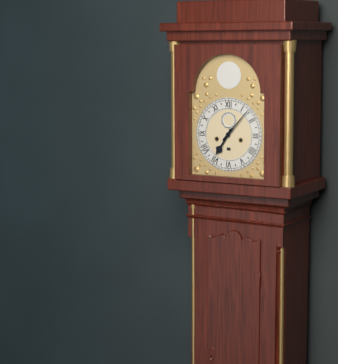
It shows {"hour": 7, "minute": 7}
